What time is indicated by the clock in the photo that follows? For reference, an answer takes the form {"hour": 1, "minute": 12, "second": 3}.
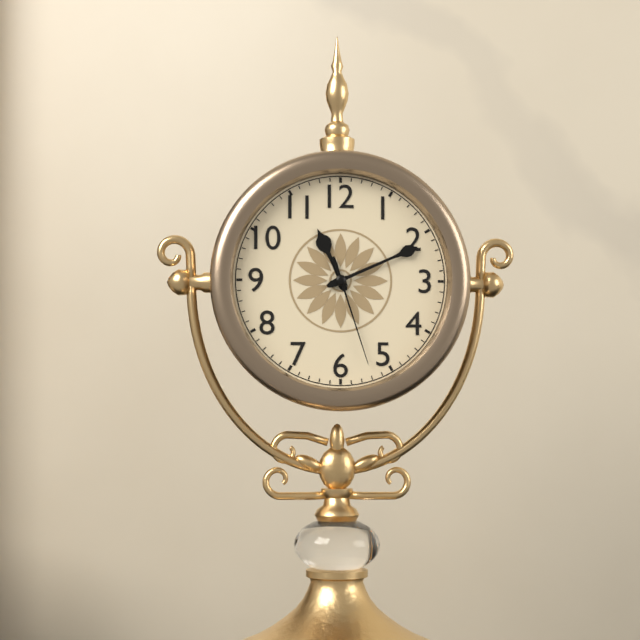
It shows {"hour": 11, "minute": 11, "second": 27}
